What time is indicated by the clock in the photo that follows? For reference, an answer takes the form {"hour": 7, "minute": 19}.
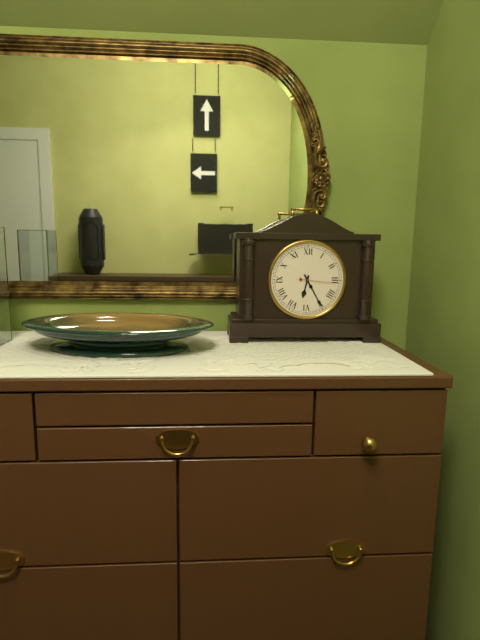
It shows {"hour": 6, "minute": 25}
